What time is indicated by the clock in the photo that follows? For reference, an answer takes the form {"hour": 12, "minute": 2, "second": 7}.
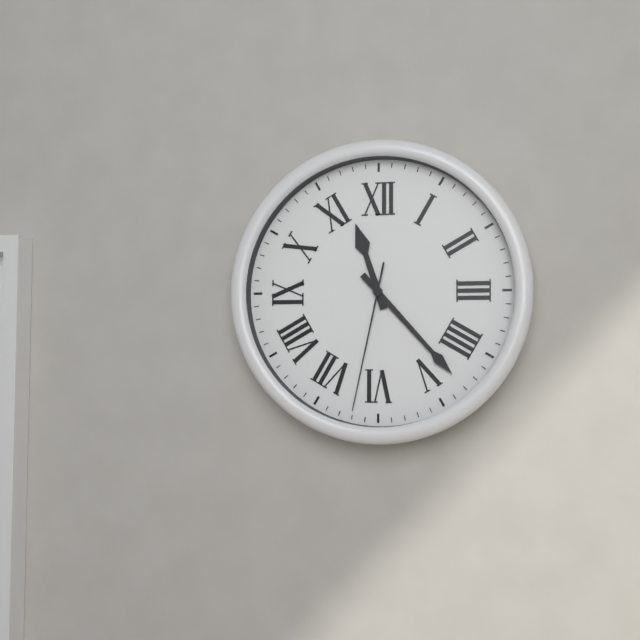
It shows {"hour": 11, "minute": 23, "second": 32}
